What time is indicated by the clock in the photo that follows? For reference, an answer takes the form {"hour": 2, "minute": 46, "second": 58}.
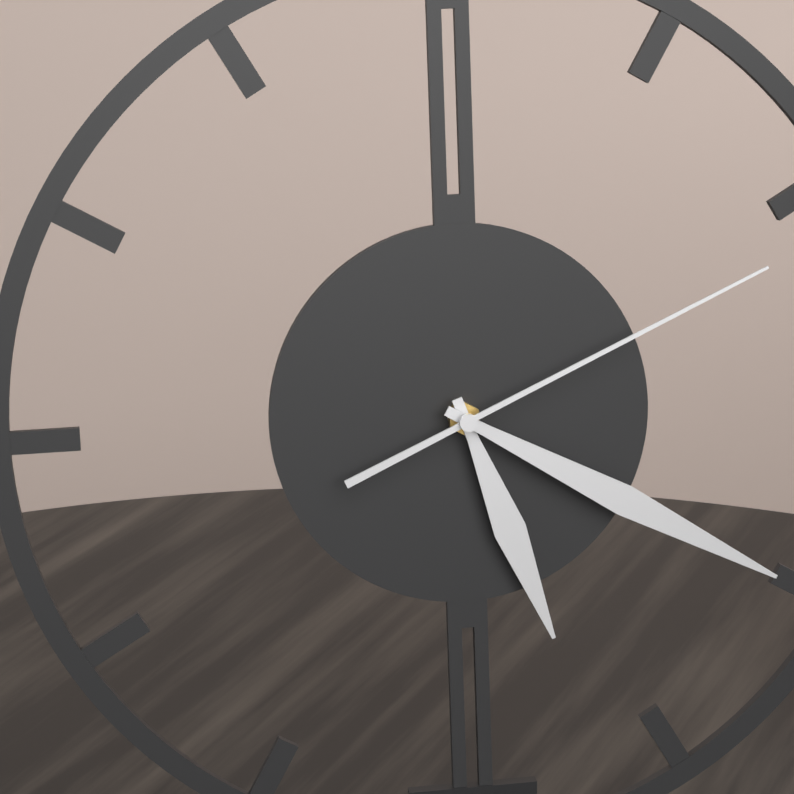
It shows {"hour": 5, "minute": 20, "second": 11}
